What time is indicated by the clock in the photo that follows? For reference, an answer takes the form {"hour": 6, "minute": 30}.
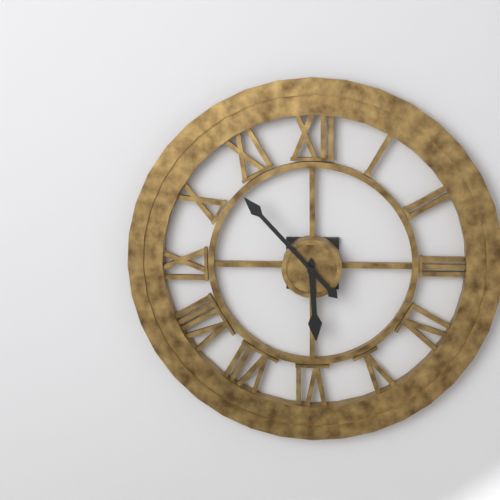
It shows {"hour": 5, "minute": 53}
